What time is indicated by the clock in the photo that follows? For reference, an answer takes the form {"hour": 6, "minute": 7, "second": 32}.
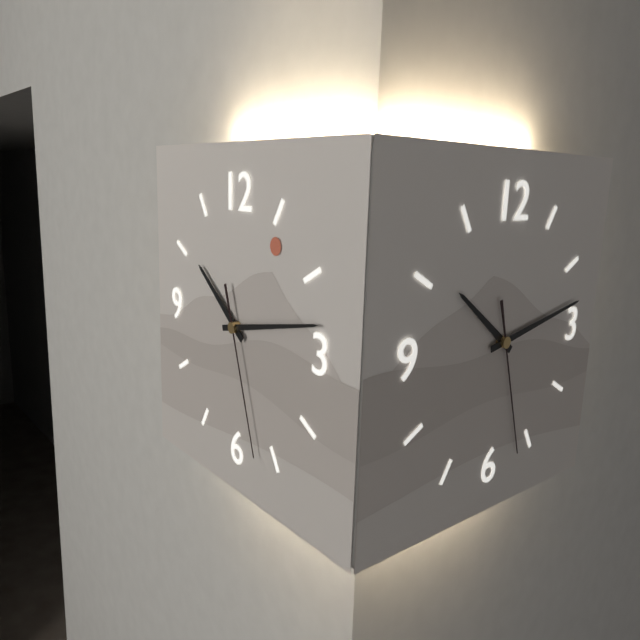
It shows {"hour": 10, "minute": 13, "second": 27}
